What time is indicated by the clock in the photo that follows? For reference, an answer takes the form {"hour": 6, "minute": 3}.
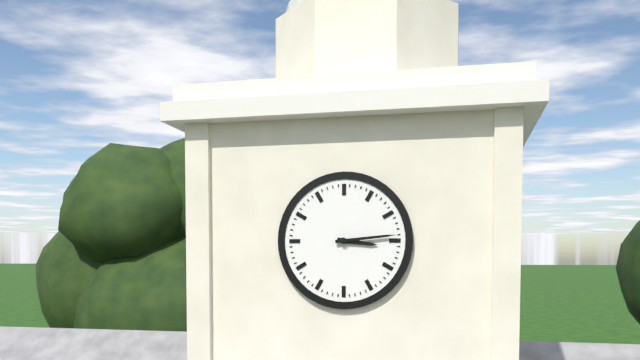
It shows {"hour": 3, "minute": 14}
